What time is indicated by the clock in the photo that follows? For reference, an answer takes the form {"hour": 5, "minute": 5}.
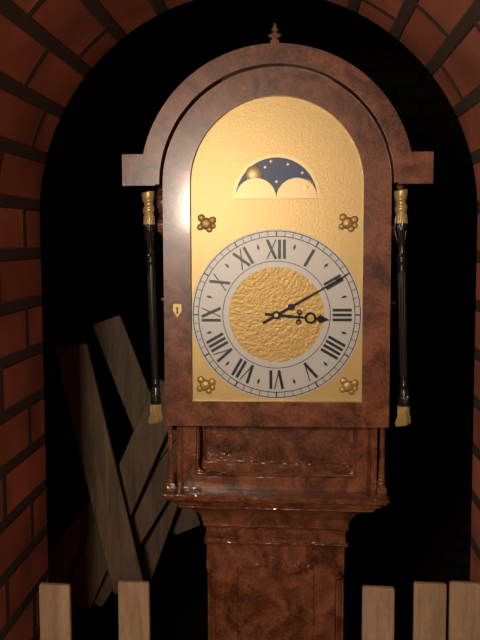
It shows {"hour": 3, "minute": 10}
